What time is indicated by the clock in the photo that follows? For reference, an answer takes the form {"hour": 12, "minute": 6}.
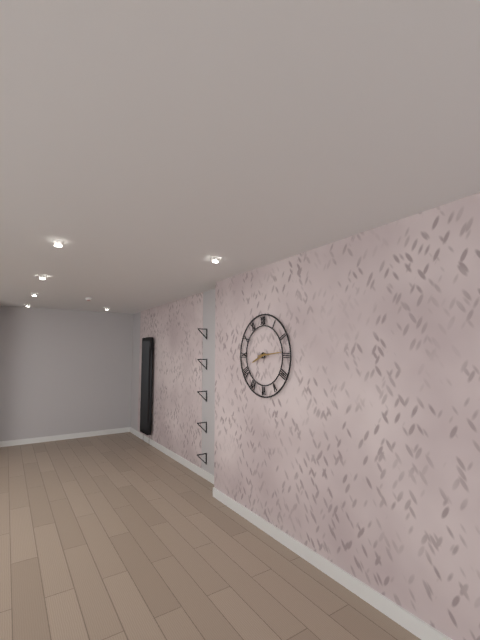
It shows {"hour": 8, "minute": 14}
